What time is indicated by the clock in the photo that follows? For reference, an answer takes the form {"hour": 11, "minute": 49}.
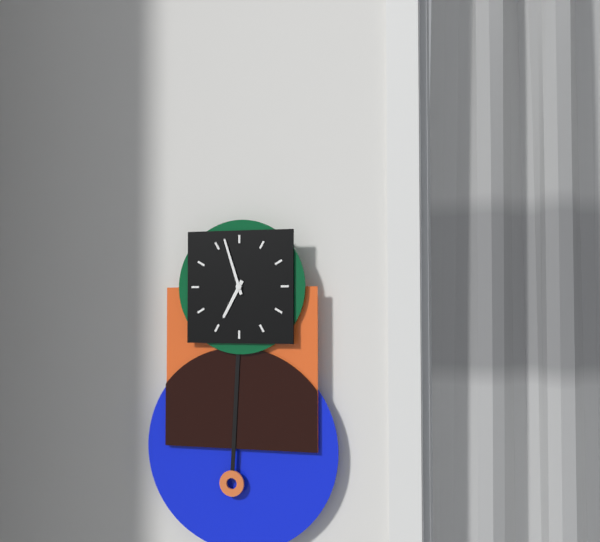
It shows {"hour": 6, "minute": 57}
